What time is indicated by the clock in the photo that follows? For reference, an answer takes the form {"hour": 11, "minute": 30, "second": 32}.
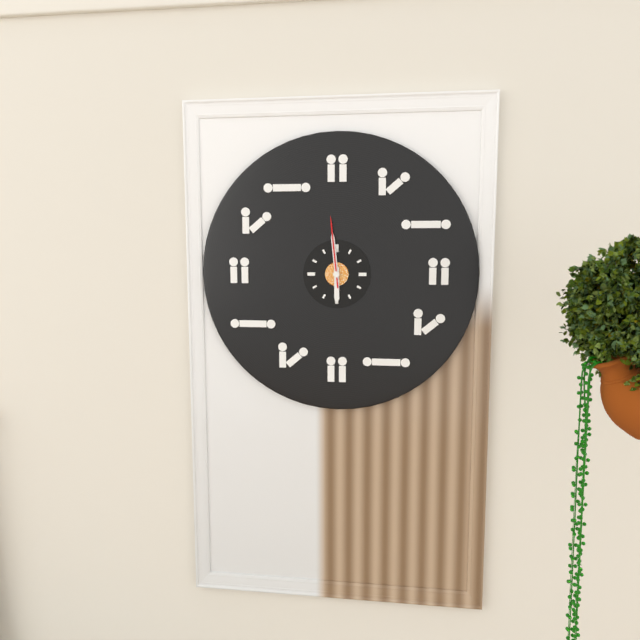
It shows {"hour": 5, "minute": 59, "second": 59}
